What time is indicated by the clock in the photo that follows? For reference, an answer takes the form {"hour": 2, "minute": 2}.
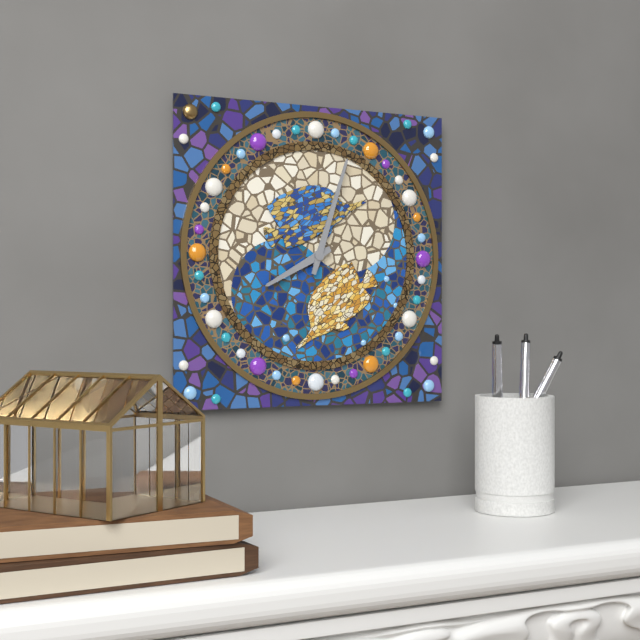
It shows {"hour": 8, "minute": 3}
